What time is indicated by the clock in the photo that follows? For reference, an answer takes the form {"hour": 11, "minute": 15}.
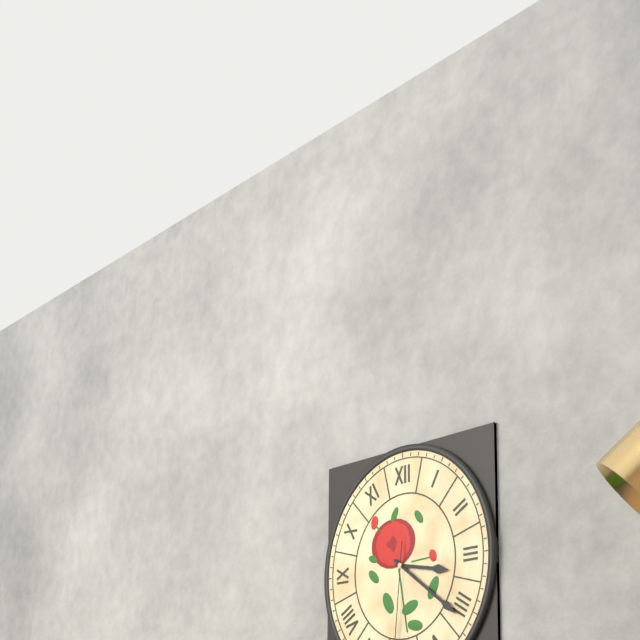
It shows {"hour": 3, "minute": 21}
